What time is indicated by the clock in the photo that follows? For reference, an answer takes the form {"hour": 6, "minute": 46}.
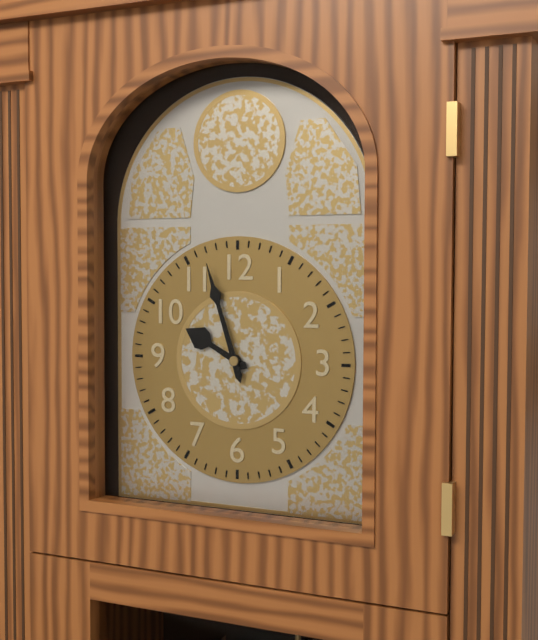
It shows {"hour": 9, "minute": 57}
